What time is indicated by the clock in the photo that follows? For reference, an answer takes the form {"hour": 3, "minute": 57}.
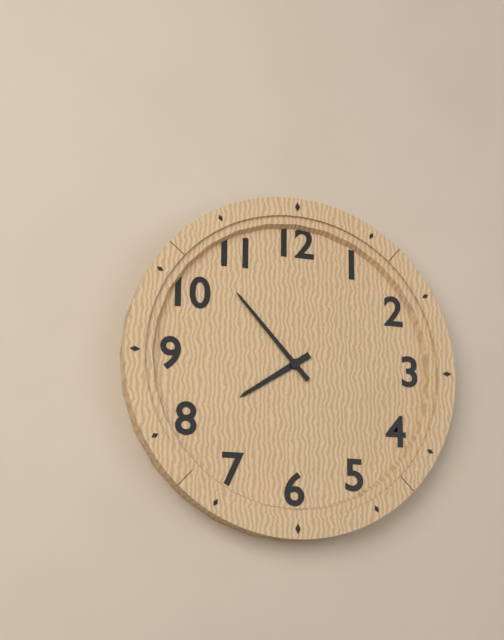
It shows {"hour": 7, "minute": 53}
